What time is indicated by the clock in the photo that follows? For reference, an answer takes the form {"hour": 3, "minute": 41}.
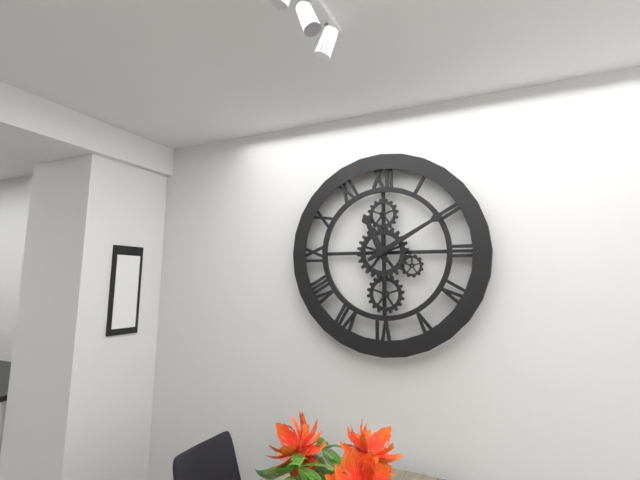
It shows {"hour": 11, "minute": 10}
